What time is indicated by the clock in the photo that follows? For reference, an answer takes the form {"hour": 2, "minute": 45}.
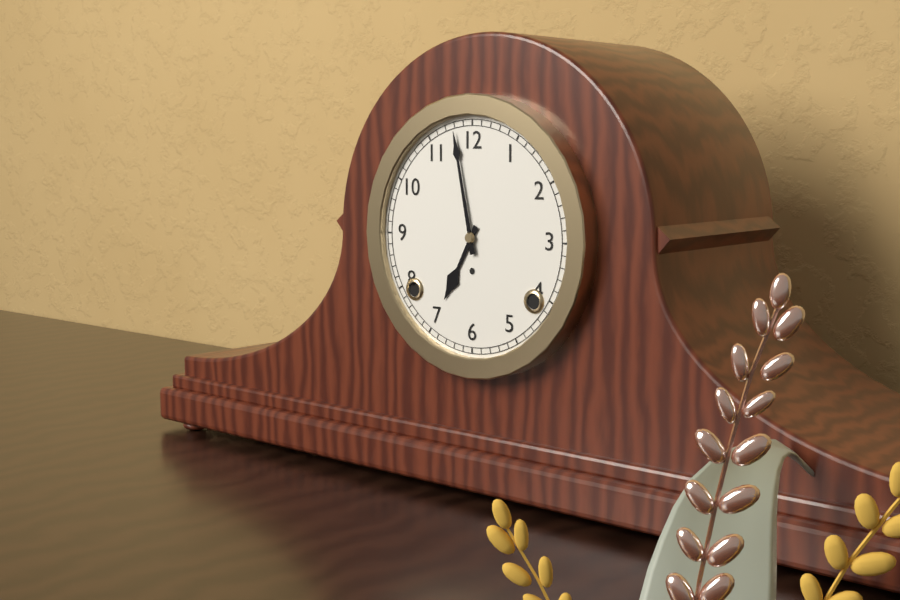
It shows {"hour": 6, "minute": 58}
